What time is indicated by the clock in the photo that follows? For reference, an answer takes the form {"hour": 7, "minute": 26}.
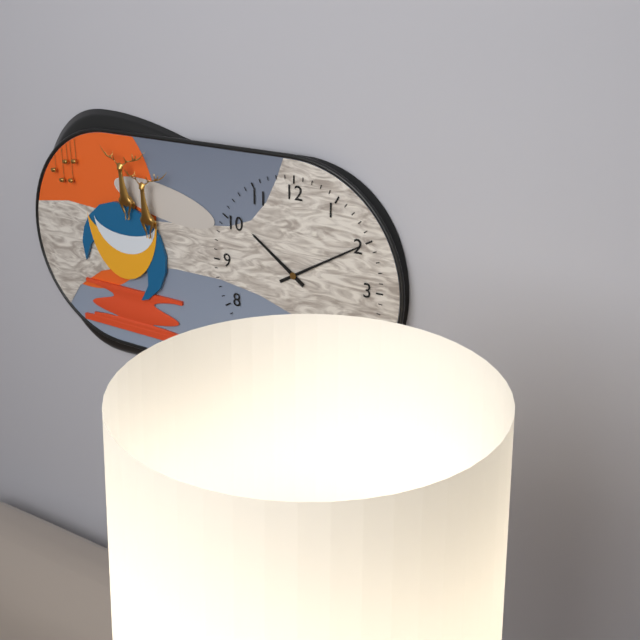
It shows {"hour": 10, "minute": 10}
